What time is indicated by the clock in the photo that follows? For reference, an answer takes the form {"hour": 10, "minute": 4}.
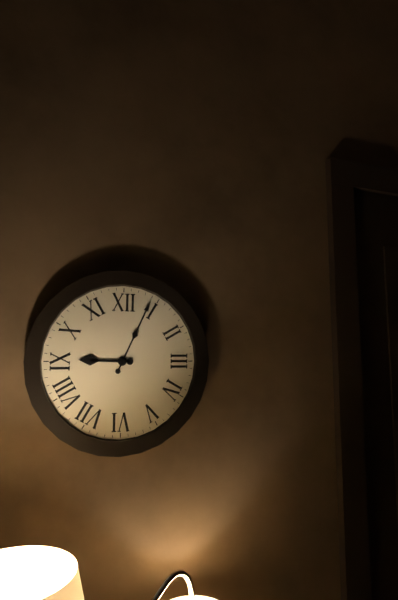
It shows {"hour": 9, "minute": 4}
